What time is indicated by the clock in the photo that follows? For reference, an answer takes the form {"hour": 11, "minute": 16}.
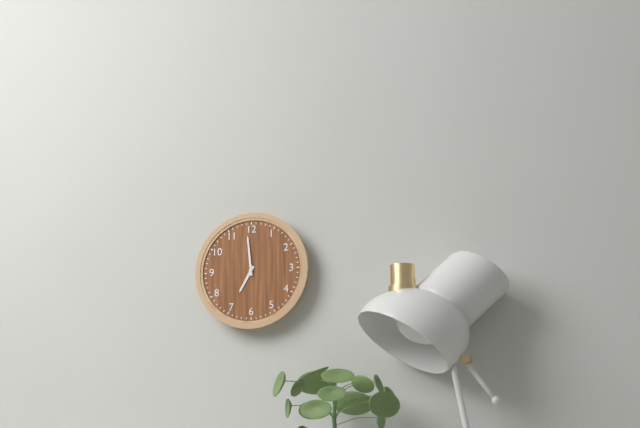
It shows {"hour": 6, "minute": 59}
